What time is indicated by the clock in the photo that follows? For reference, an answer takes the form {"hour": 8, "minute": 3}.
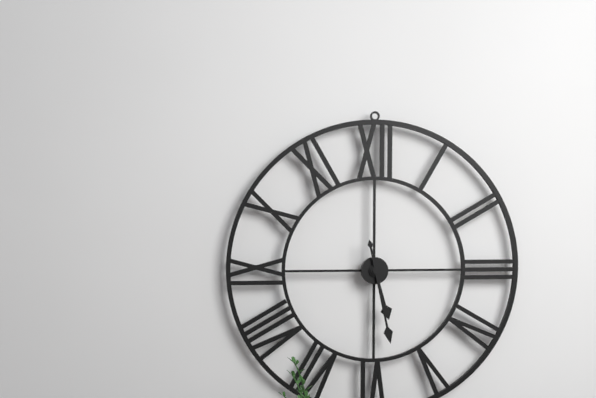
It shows {"hour": 5, "minute": 28}
